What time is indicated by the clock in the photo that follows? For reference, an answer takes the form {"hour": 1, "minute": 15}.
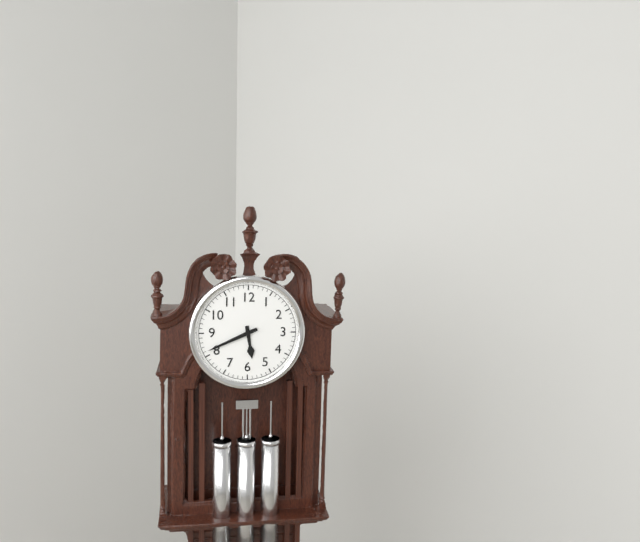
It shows {"hour": 5, "minute": 41}
